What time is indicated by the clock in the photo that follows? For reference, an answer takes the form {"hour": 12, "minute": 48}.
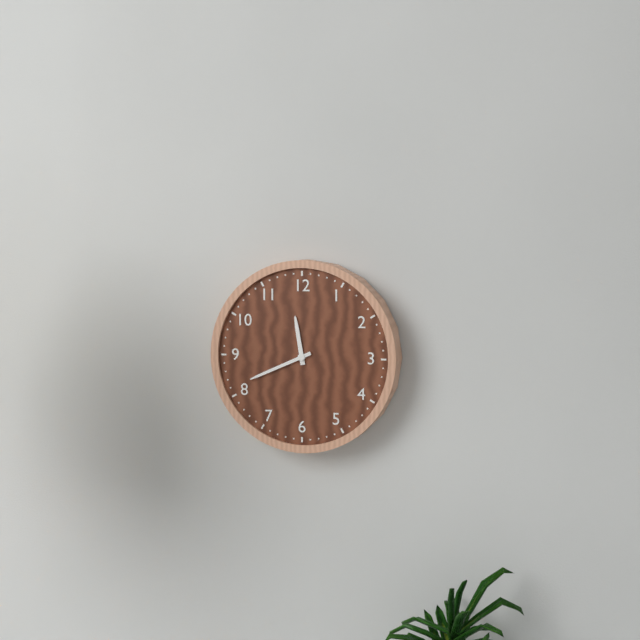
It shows {"hour": 11, "minute": 41}
